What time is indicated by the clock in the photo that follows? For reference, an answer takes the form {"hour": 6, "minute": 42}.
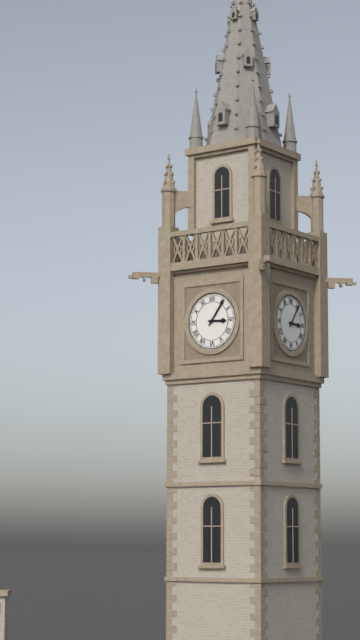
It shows {"hour": 3, "minute": 6}
